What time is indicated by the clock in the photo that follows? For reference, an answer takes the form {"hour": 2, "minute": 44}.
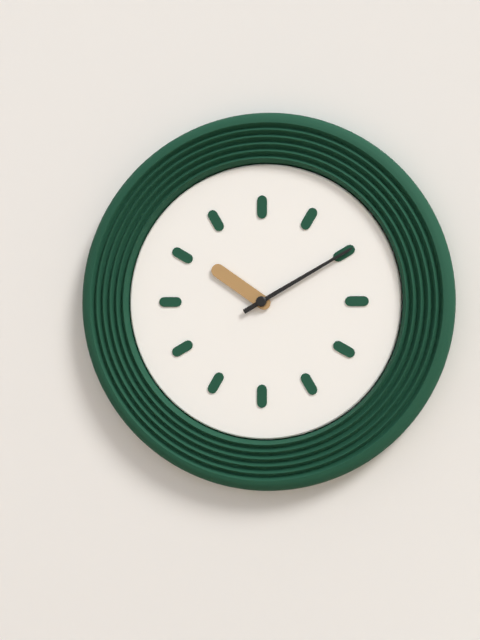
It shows {"hour": 10, "minute": 10}
